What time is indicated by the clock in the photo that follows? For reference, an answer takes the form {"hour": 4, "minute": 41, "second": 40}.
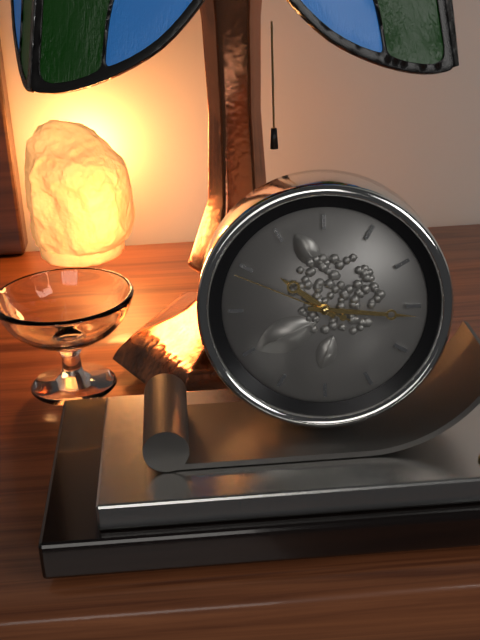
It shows {"hour": 10, "minute": 16, "second": 49}
